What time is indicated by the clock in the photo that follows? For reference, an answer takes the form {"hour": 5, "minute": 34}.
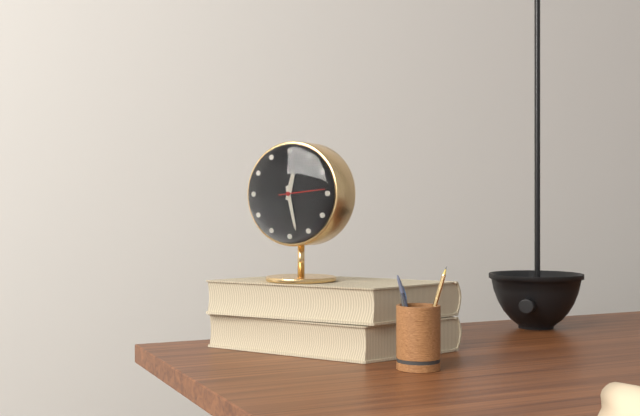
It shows {"hour": 12, "minute": 28}
